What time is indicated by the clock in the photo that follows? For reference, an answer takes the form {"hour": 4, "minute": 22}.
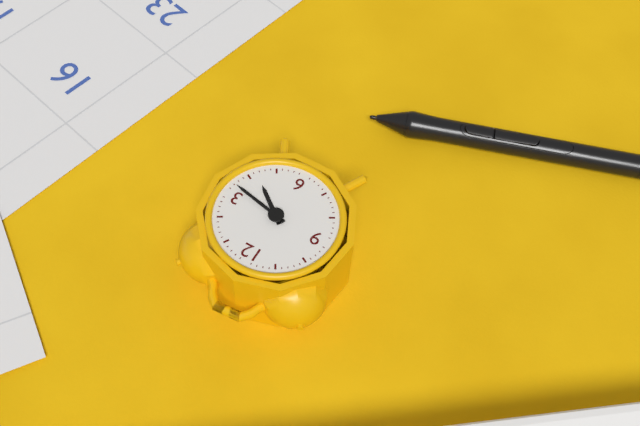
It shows {"hour": 4, "minute": 17}
